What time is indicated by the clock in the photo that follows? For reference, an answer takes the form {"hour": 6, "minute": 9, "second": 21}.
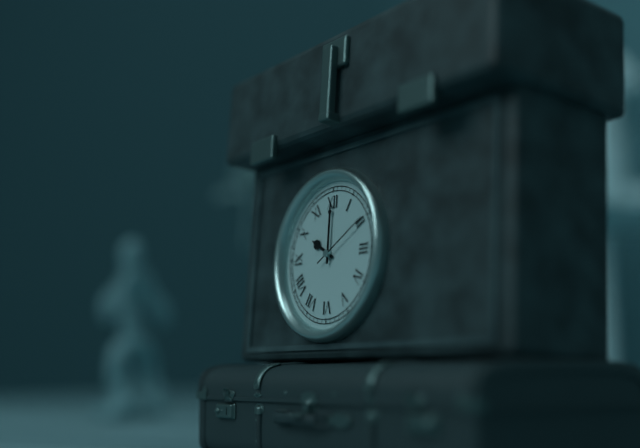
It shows {"hour": 10, "minute": 0, "second": 10}
